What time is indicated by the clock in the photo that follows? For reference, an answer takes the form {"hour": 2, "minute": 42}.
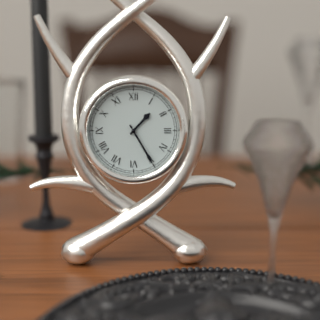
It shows {"hour": 1, "minute": 25}
